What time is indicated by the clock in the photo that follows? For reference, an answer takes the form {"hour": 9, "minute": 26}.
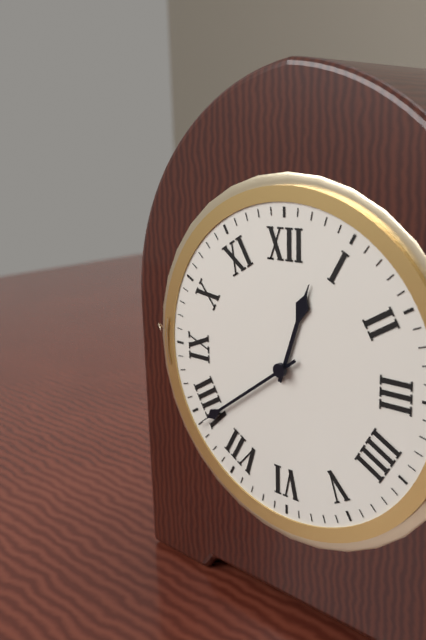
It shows {"hour": 12, "minute": 39}
